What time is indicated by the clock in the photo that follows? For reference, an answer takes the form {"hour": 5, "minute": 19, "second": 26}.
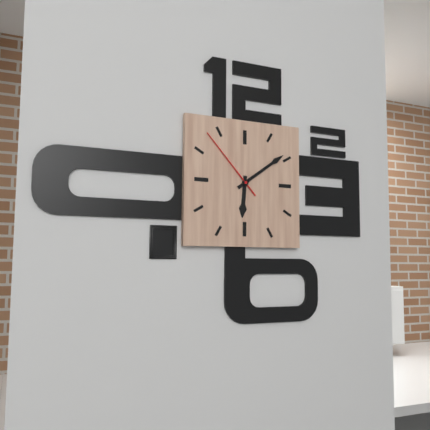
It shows {"hour": 6, "minute": 9, "second": 53}
